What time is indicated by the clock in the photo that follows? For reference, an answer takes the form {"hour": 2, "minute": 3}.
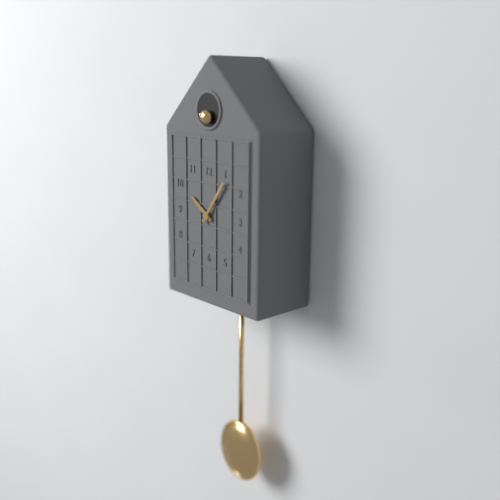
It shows {"hour": 10, "minute": 6}
